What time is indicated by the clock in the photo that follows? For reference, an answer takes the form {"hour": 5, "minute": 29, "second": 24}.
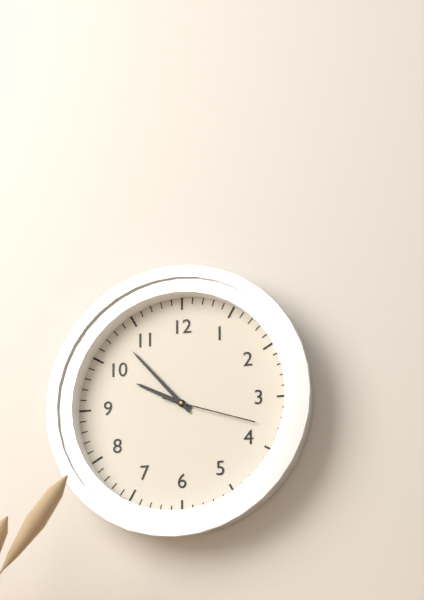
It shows {"hour": 9, "minute": 53, "second": 18}
